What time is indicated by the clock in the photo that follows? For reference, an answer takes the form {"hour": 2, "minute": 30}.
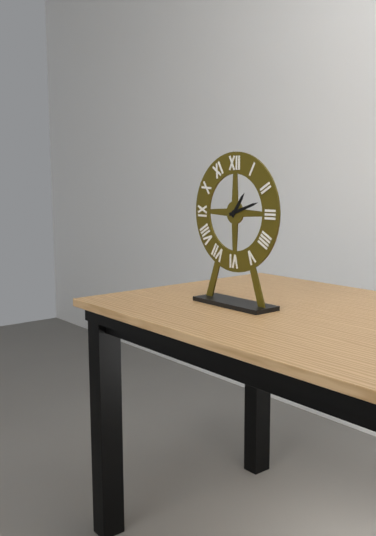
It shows {"hour": 1, "minute": 12}
